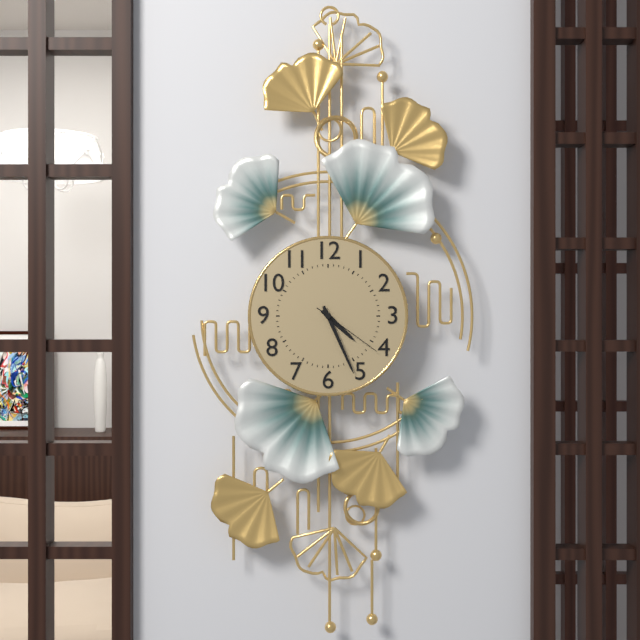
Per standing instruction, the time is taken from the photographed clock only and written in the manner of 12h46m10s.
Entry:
4h26m21s
